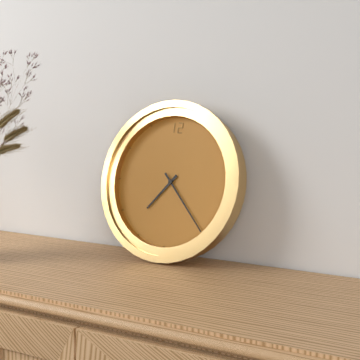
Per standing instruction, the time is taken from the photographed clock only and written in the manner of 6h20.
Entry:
7h23
